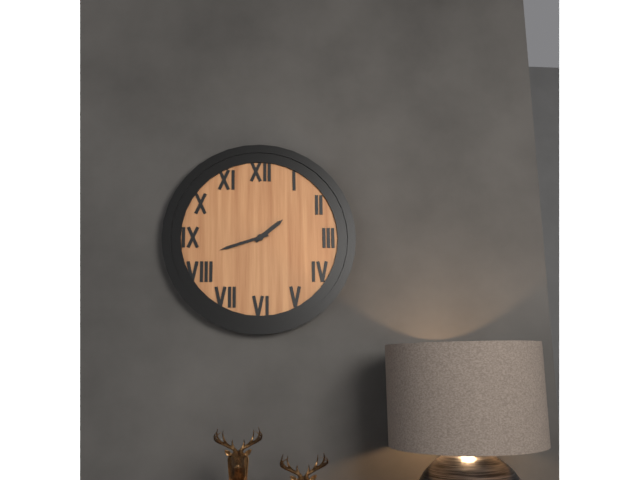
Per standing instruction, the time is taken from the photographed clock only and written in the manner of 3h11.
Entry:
1h42
